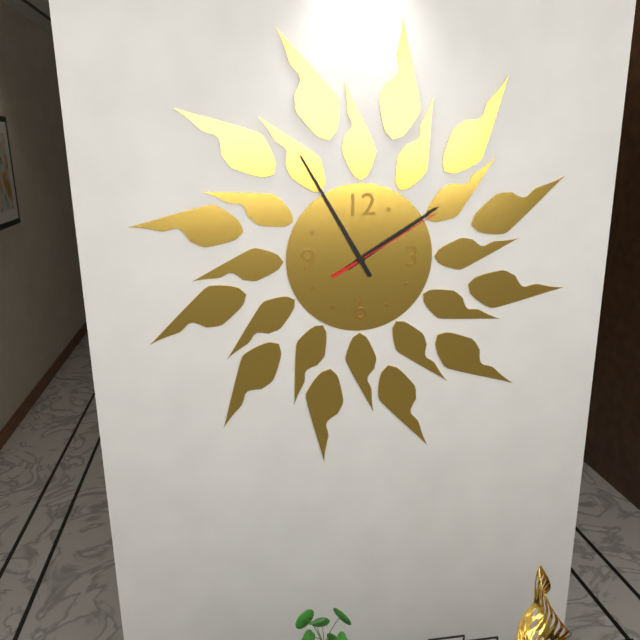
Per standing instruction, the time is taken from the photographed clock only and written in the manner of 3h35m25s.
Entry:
1h55m10s
